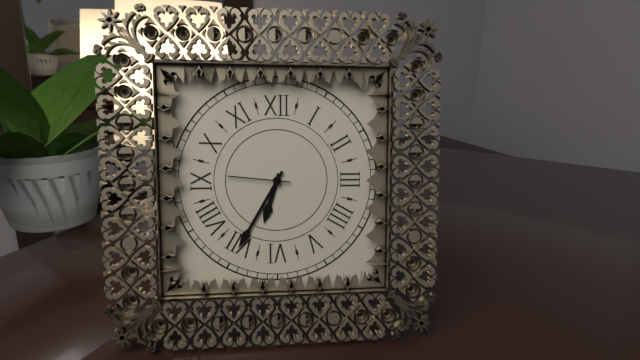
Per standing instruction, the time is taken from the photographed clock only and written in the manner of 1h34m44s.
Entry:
6h35m46s
